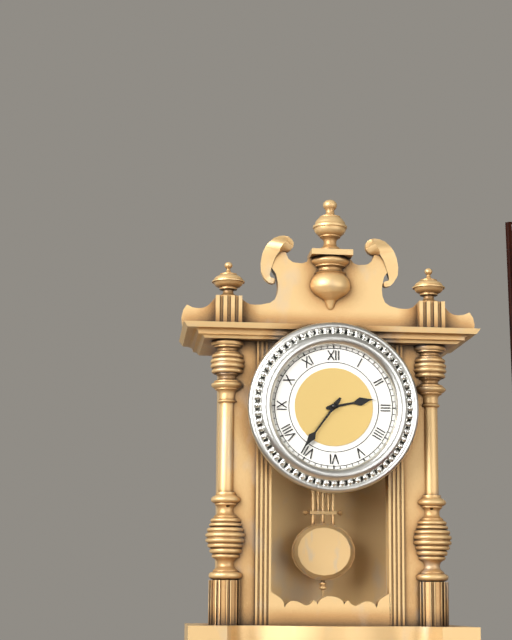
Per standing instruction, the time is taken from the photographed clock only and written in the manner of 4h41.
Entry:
2h36
